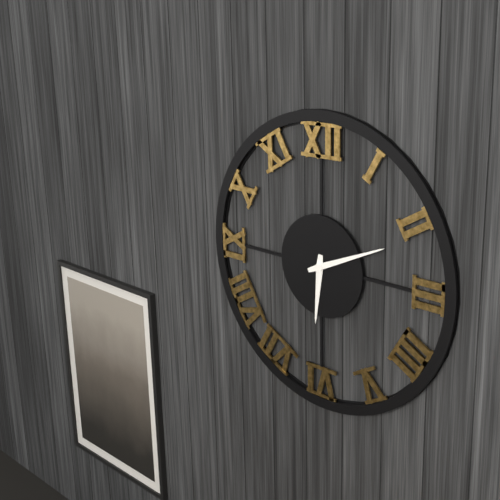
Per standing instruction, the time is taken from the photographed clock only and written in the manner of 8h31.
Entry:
6h11
